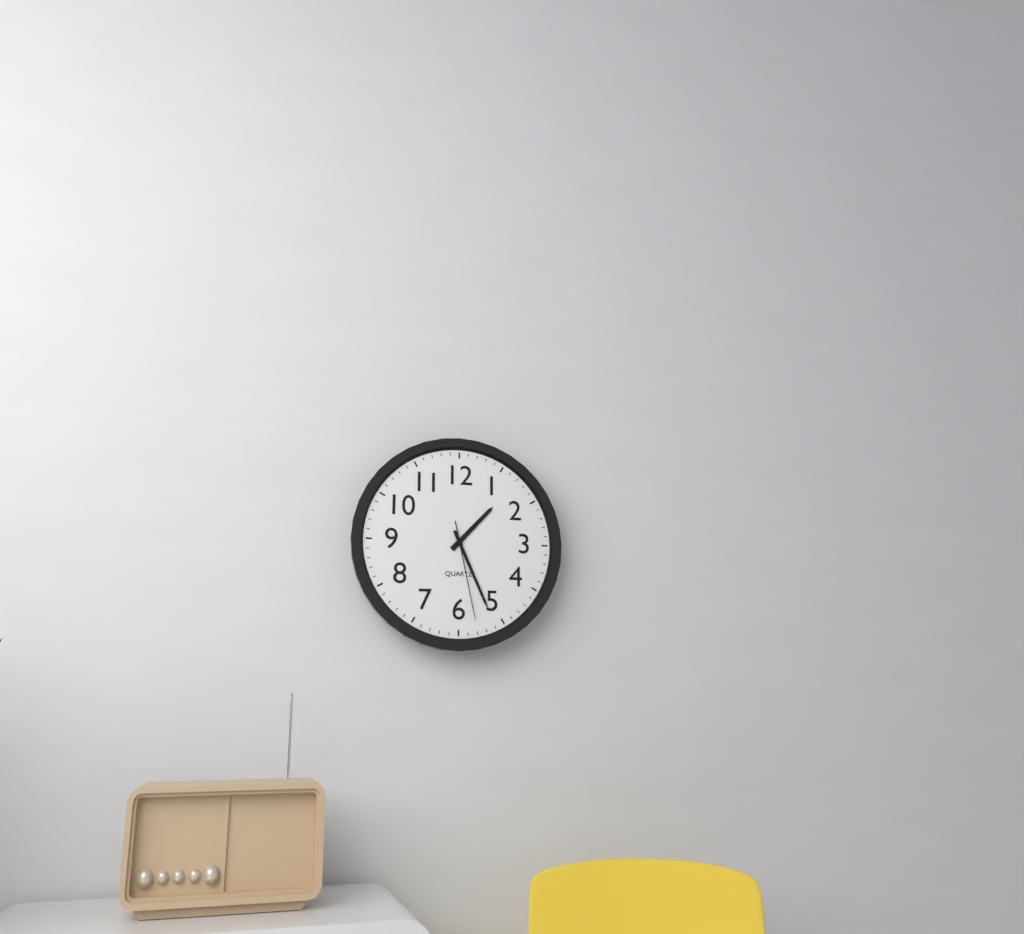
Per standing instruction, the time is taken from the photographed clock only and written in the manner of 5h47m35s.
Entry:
1h26m28s
